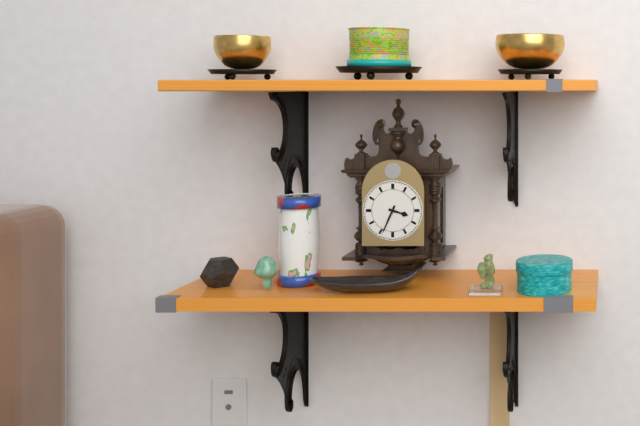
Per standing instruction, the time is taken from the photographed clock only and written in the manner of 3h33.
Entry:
3h34
